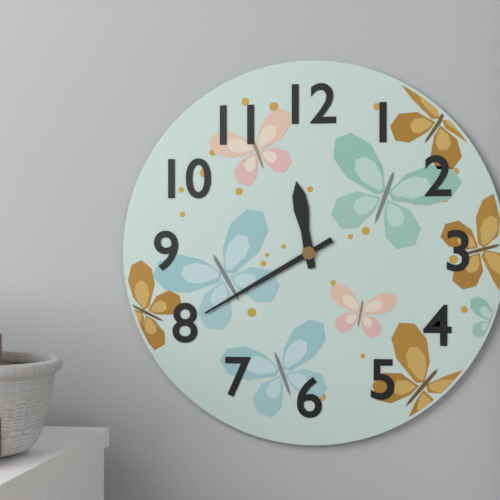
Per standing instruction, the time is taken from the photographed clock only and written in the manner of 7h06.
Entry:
11h40
